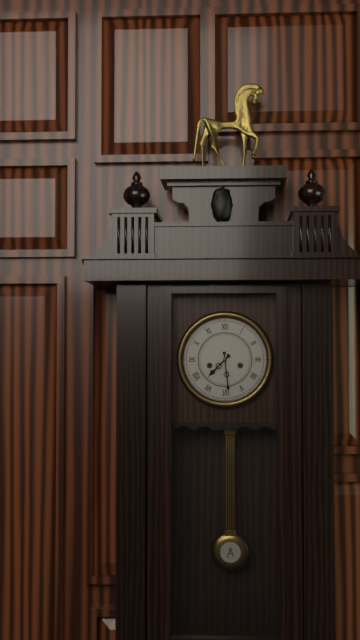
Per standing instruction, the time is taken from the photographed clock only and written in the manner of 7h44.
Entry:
7h29
